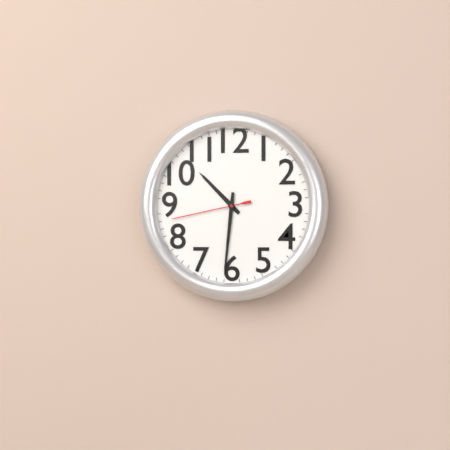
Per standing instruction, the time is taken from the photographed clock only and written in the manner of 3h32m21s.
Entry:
10h31m43s
